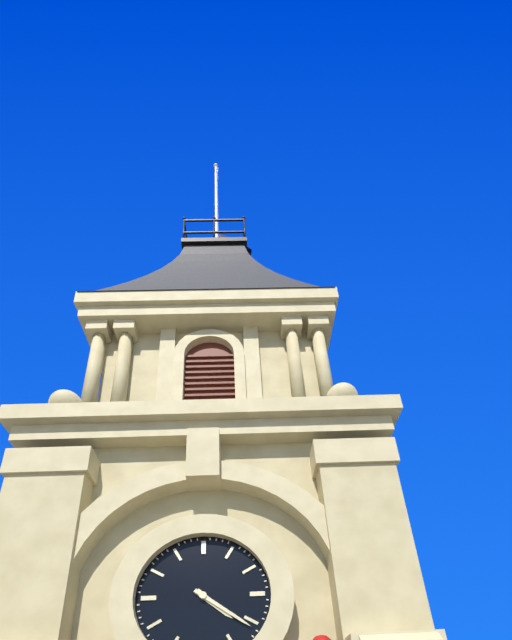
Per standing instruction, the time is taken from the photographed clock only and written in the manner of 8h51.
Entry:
4h21
